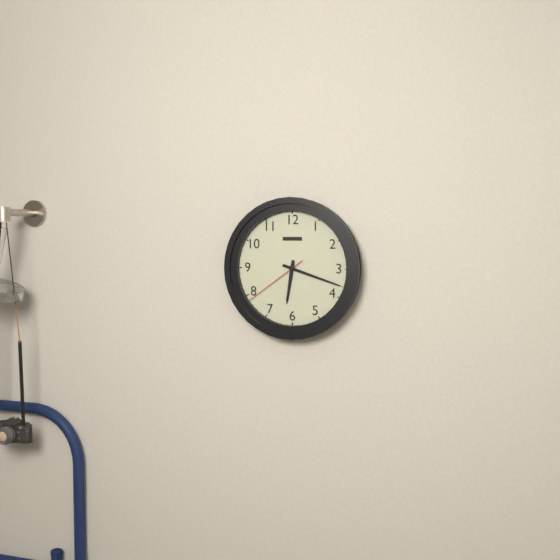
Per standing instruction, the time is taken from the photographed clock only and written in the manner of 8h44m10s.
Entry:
6h18m39s
